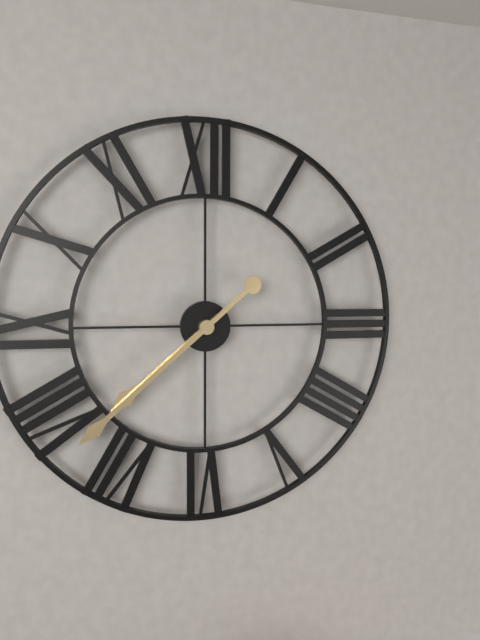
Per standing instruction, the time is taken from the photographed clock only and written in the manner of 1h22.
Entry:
7h38
